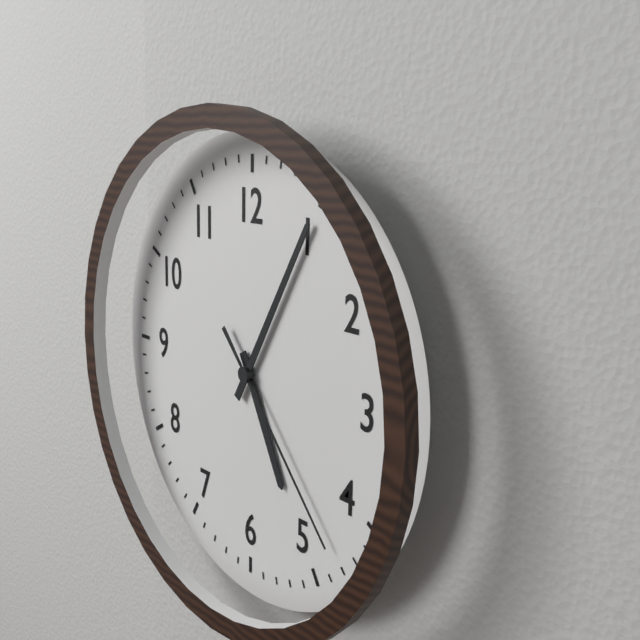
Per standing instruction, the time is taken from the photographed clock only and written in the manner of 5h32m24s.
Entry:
5h05m23s
